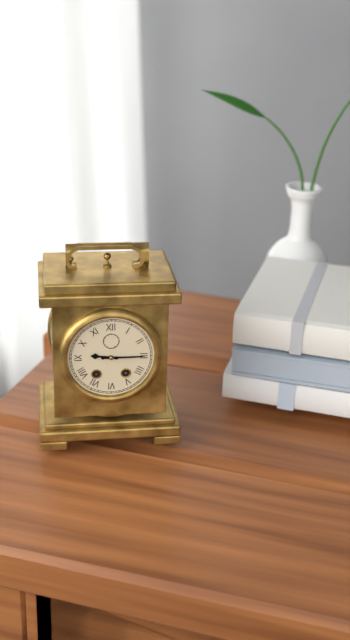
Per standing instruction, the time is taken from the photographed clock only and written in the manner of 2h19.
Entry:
9h15
